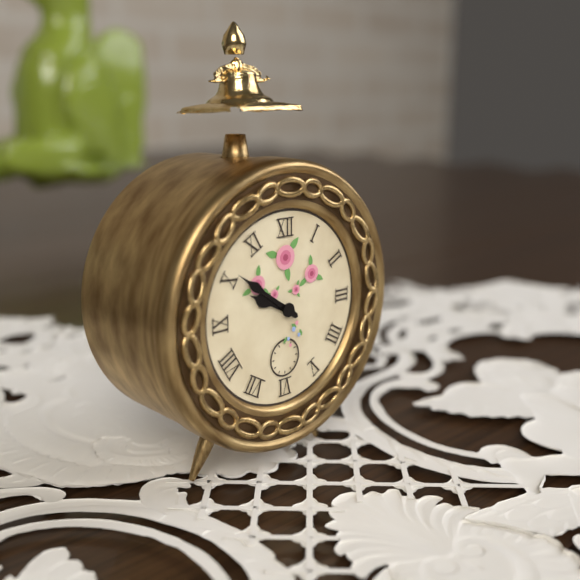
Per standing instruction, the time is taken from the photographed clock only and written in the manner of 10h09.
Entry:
9h51
